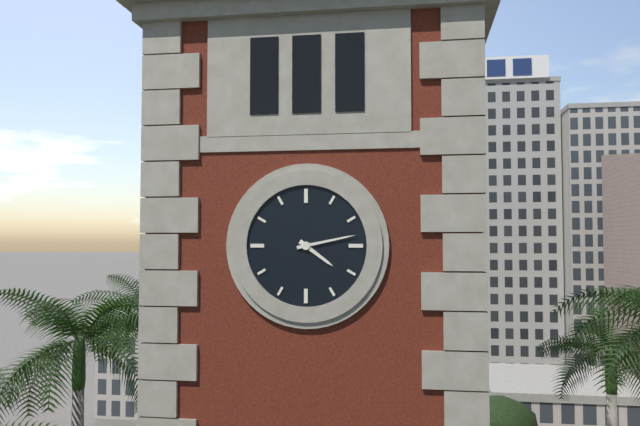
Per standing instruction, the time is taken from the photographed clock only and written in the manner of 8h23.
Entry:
4h13
